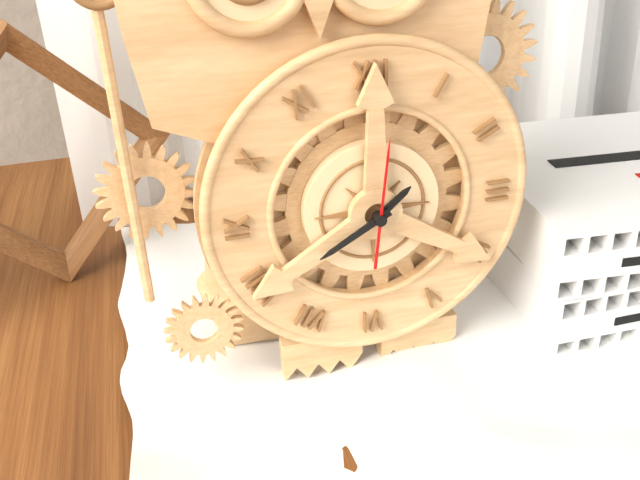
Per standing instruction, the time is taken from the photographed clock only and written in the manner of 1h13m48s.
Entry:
1h40m01s
